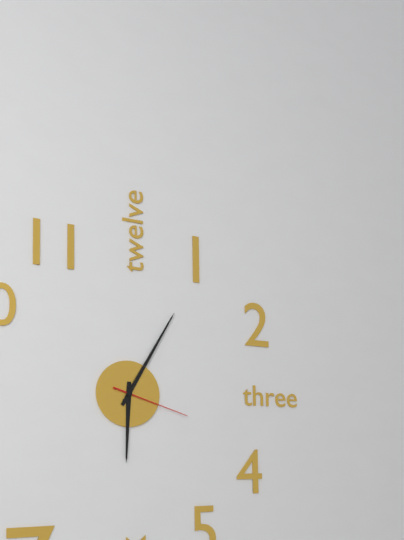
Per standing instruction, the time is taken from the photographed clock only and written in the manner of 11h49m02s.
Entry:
6h05m18s
